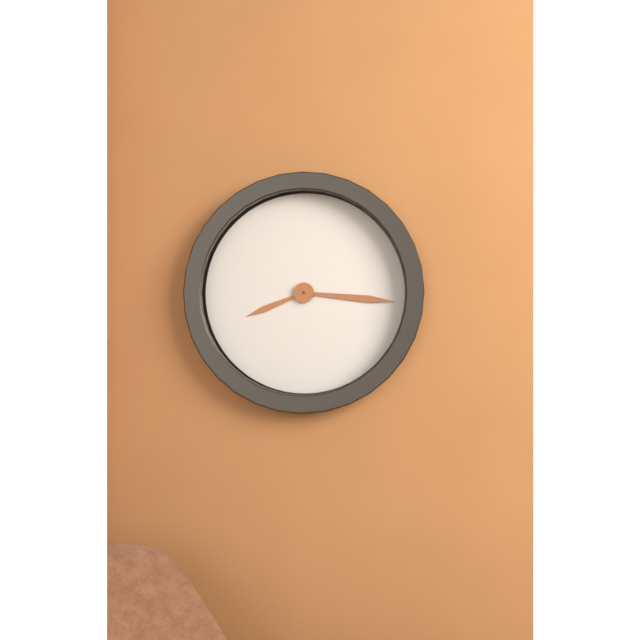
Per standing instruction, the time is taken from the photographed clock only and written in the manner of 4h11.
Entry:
8h16
